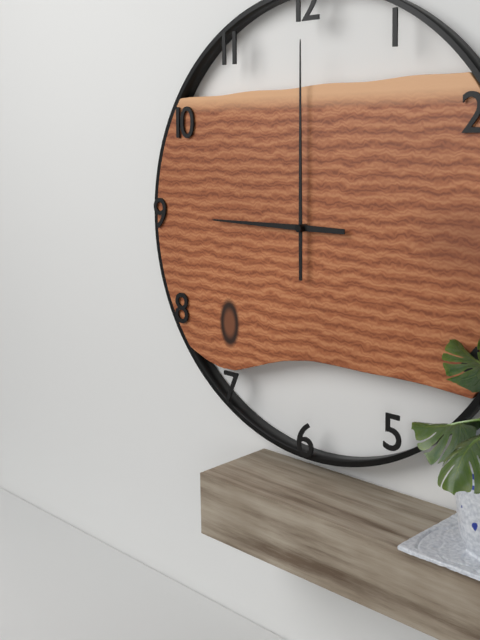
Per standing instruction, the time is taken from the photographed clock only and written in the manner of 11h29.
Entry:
9h00
